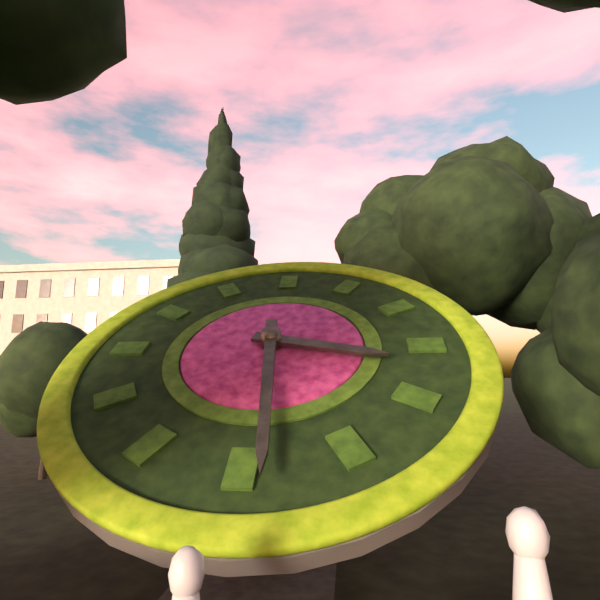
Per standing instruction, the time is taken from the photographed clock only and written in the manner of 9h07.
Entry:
3h29
